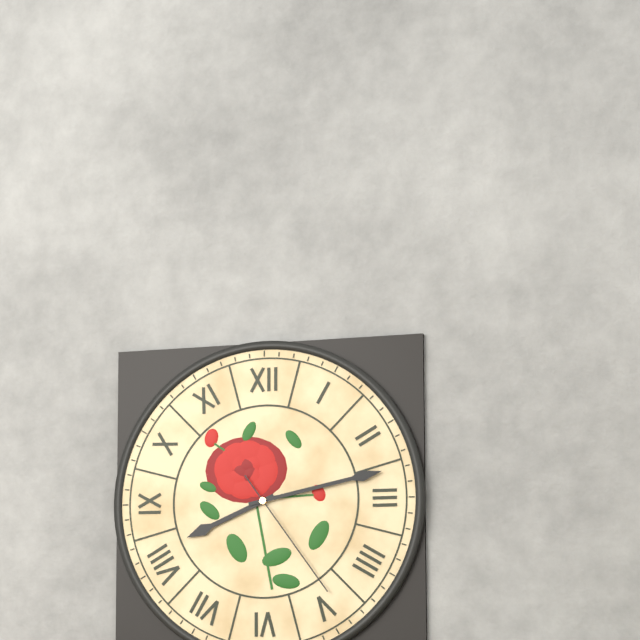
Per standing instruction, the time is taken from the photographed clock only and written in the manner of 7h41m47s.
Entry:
8h13m24s
